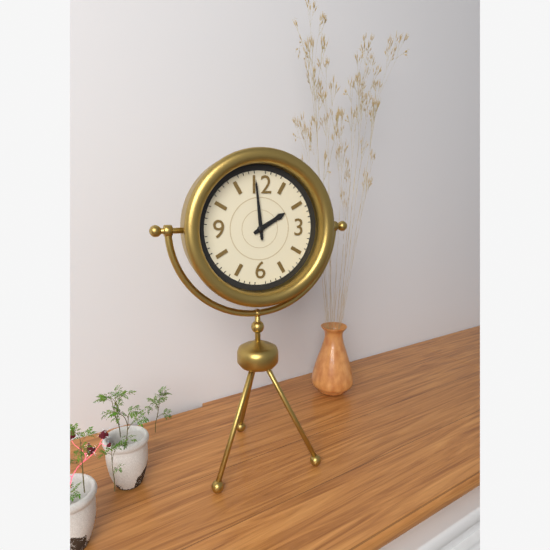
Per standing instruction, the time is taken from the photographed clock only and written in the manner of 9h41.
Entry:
1h59
